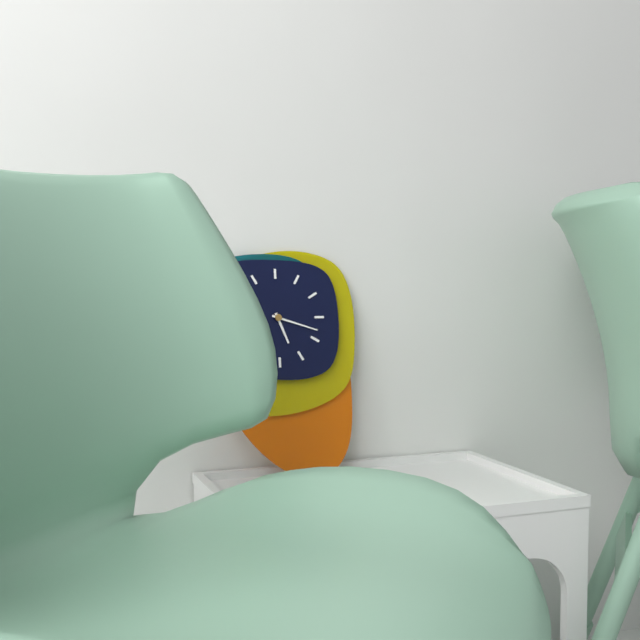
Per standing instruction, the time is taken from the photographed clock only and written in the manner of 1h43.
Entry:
5h18
